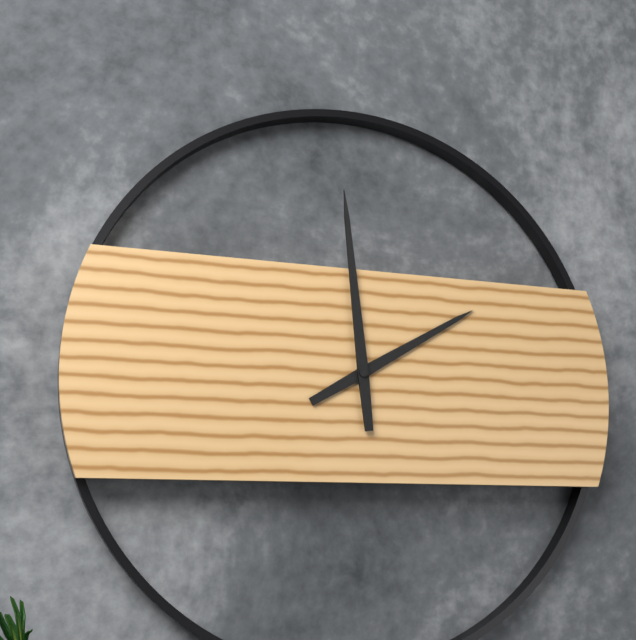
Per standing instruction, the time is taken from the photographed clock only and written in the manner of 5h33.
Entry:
1h59
